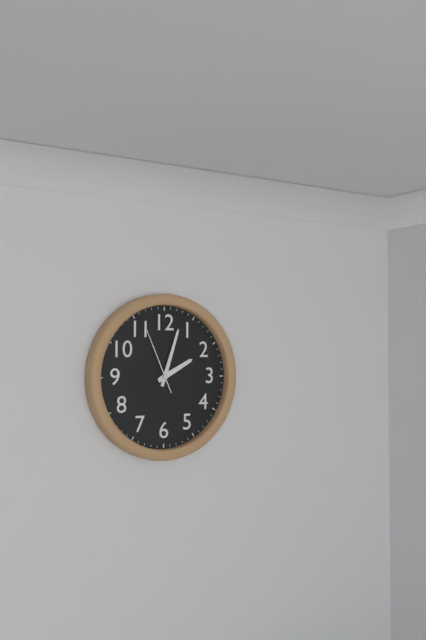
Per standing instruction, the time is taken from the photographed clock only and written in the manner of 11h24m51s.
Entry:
2h03m56s
